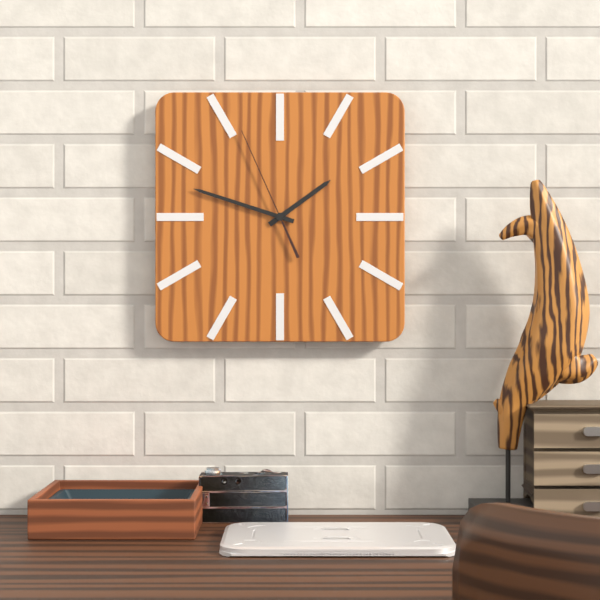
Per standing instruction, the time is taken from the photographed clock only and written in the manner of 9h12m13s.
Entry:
1h48m56s
